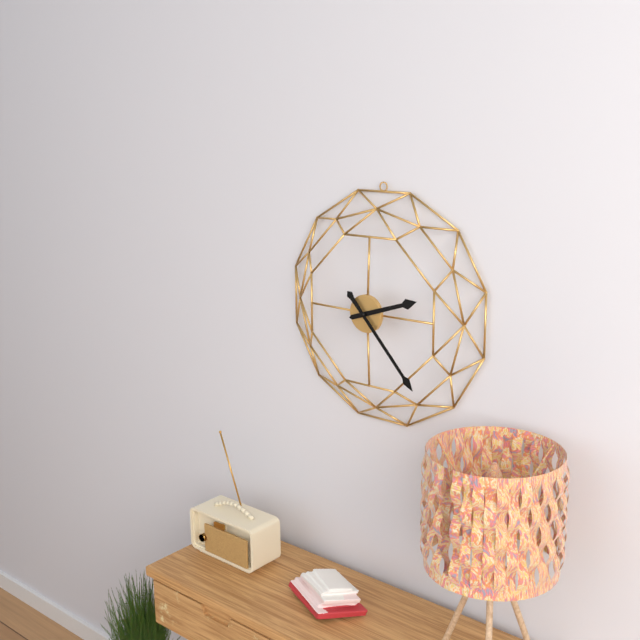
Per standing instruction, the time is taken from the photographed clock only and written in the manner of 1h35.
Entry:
2h23
